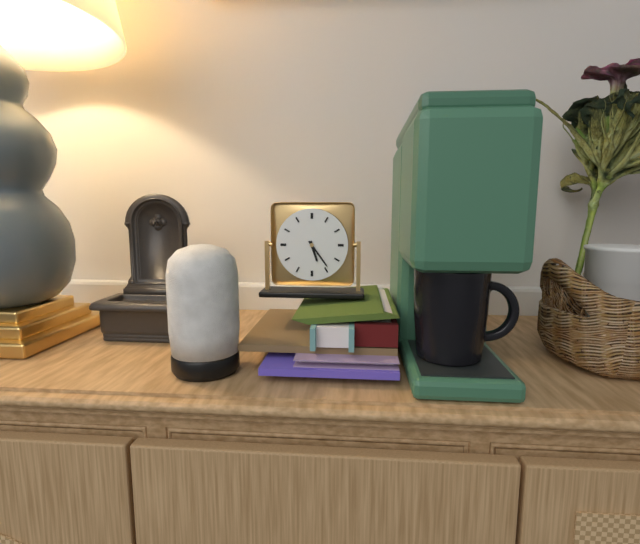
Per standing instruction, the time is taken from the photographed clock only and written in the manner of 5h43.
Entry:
5h24
